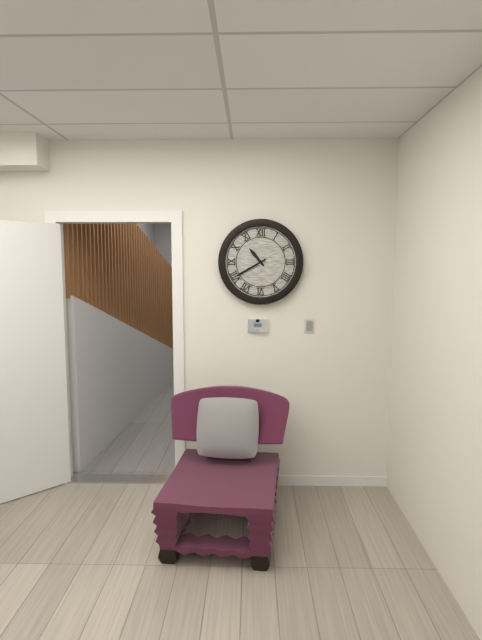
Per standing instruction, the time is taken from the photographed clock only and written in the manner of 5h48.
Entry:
10h40
